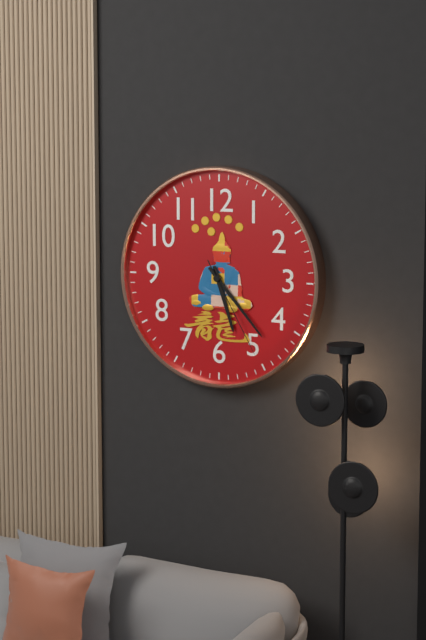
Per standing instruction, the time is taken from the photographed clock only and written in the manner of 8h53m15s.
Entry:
5h23m25s
